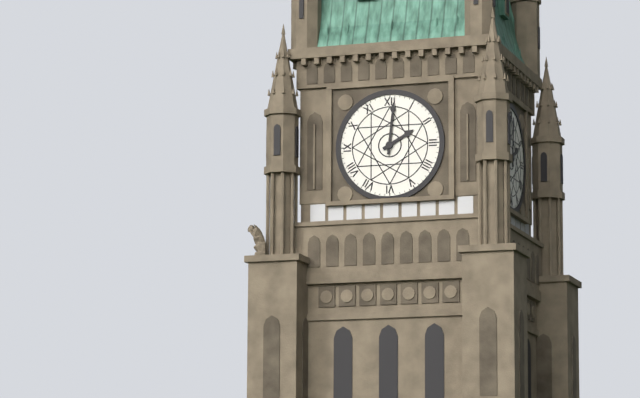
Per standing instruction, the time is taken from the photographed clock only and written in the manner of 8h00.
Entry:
2h01
